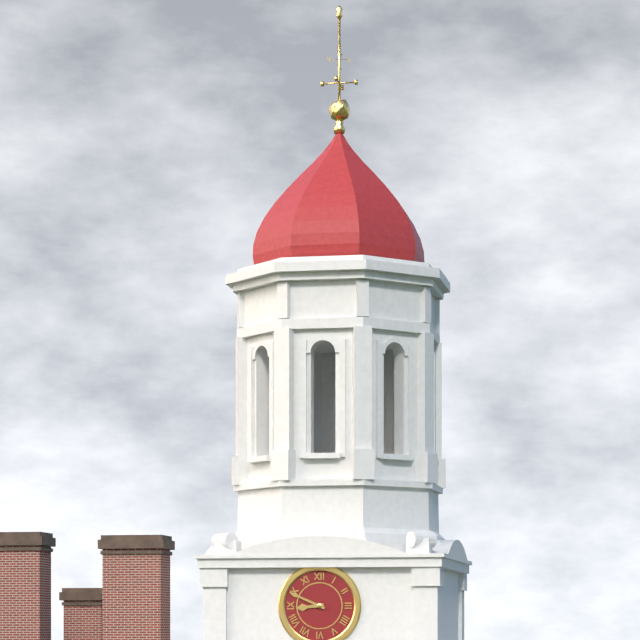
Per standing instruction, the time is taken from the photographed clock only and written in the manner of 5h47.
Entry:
8h49
